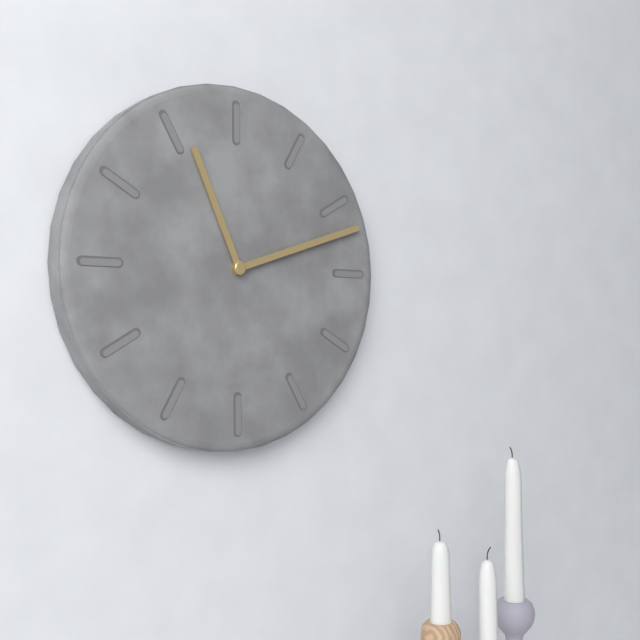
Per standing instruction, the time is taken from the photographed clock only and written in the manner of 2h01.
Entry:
11h12
